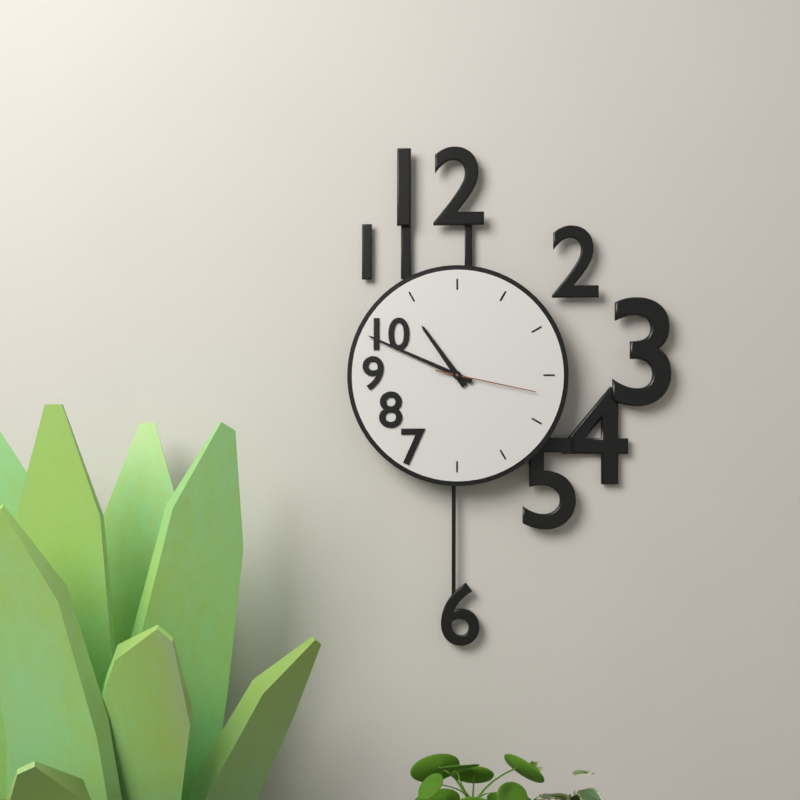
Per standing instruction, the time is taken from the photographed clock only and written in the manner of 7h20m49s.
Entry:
10h49m17s
